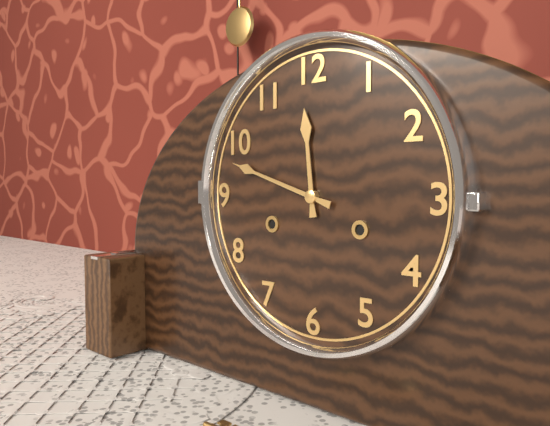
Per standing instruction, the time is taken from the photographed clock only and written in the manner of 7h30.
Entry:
11h48
